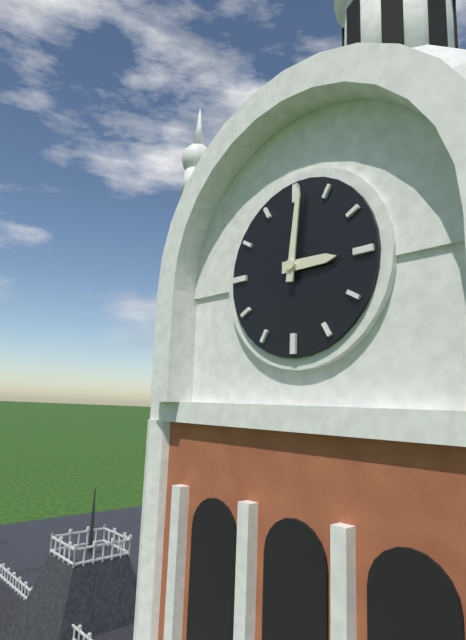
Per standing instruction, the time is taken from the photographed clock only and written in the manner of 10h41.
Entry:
3h01
